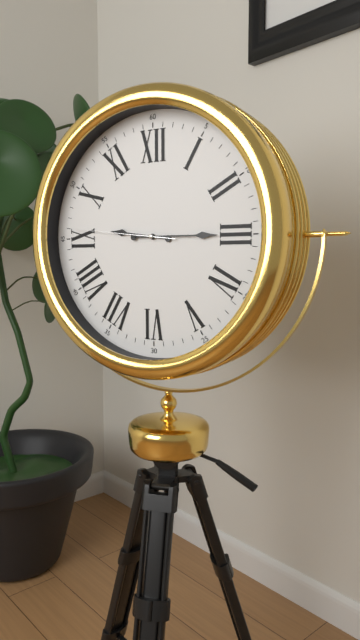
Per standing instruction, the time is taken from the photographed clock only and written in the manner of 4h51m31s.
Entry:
9h15m46s
